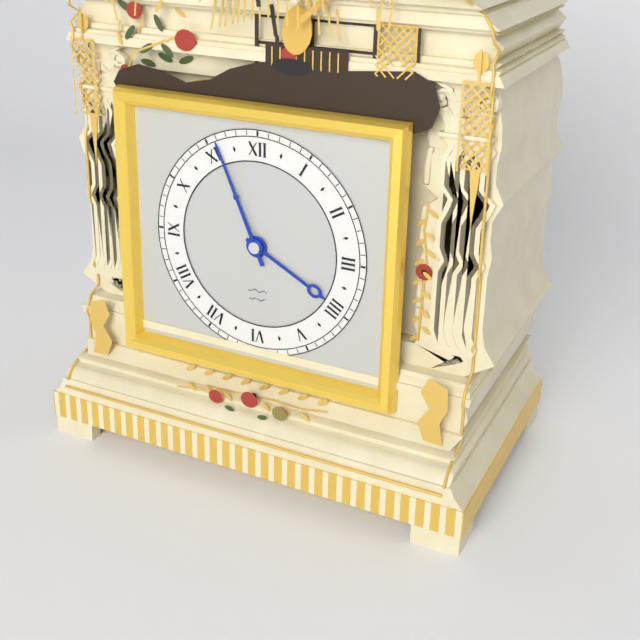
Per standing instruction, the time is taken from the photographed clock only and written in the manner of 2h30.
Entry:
3h56
